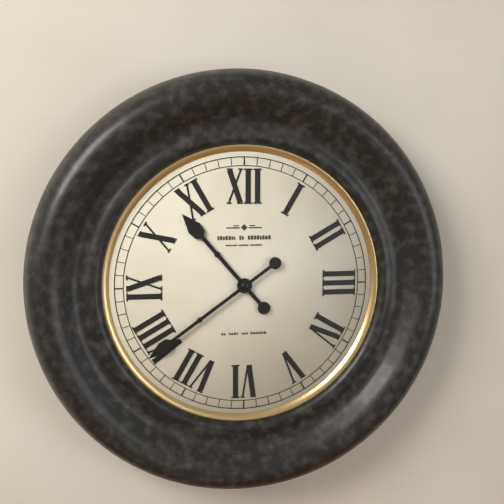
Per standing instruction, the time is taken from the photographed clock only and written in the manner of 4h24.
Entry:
10h39
